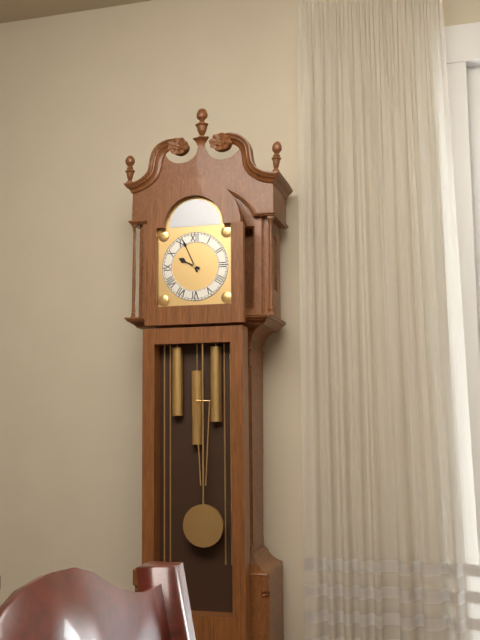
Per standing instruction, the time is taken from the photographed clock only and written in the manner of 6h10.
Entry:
9h56
